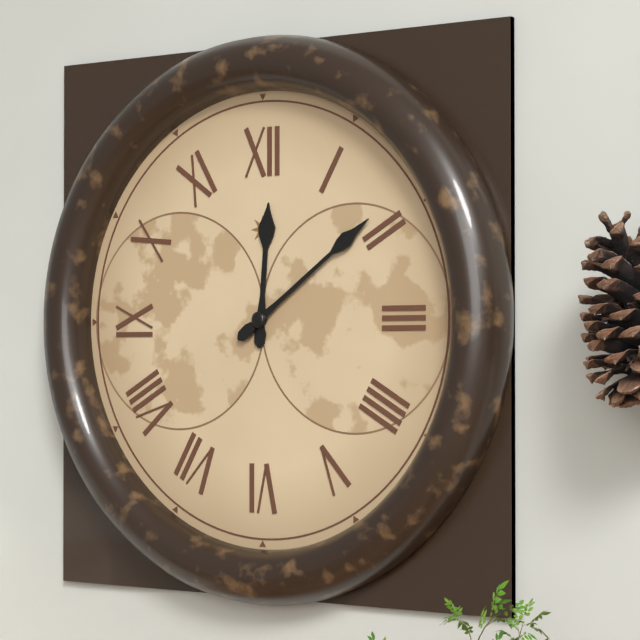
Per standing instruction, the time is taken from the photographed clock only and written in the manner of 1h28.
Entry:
12h09
